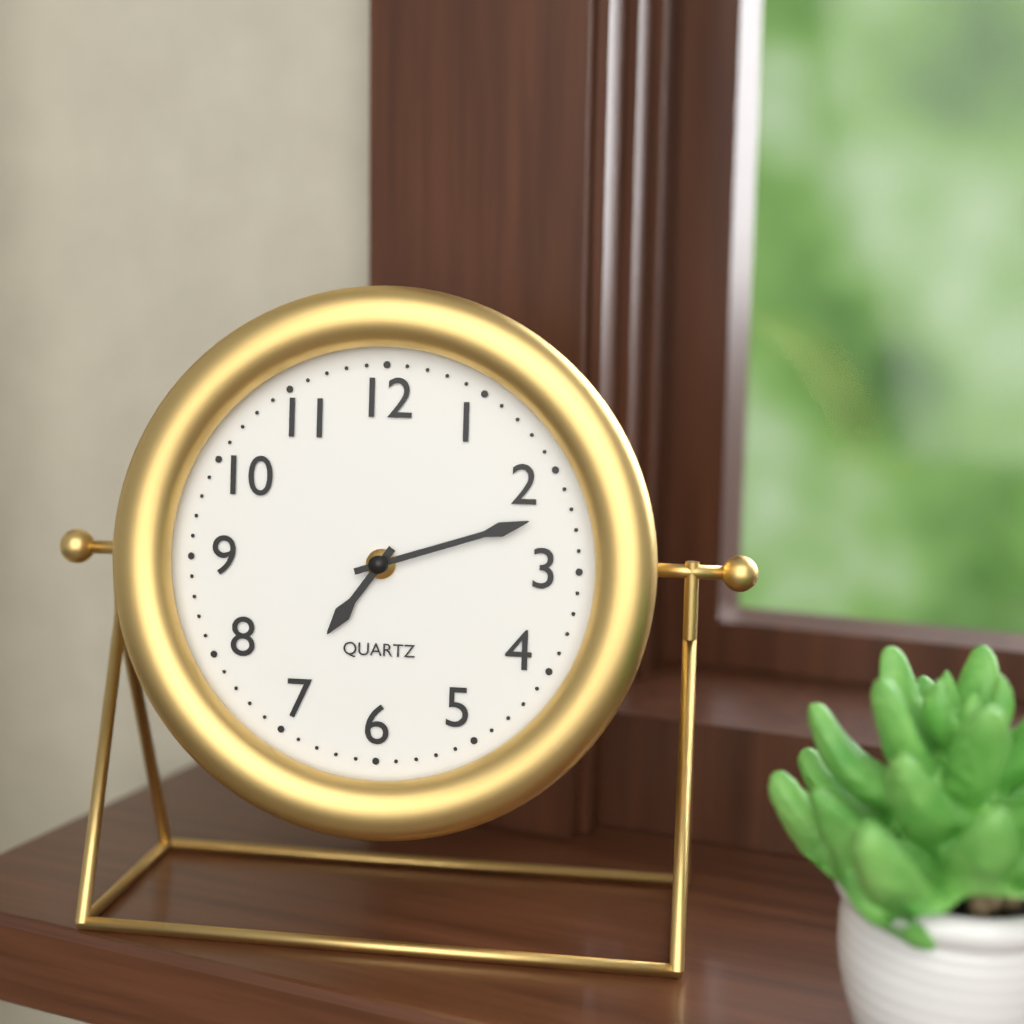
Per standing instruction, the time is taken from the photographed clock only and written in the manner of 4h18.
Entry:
7h12
